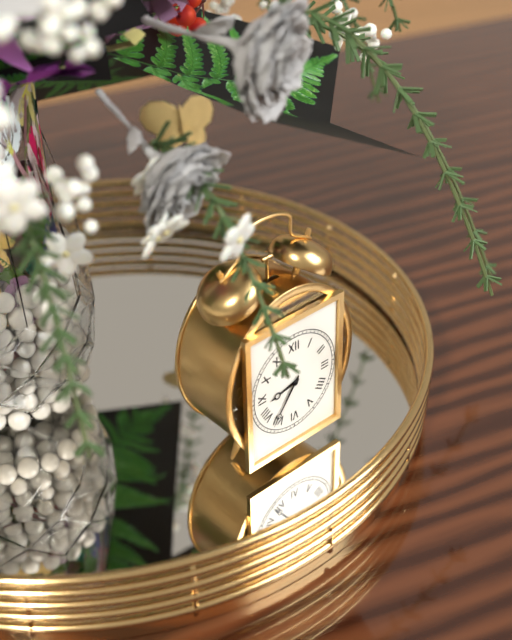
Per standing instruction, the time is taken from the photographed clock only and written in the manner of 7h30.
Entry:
8h36
